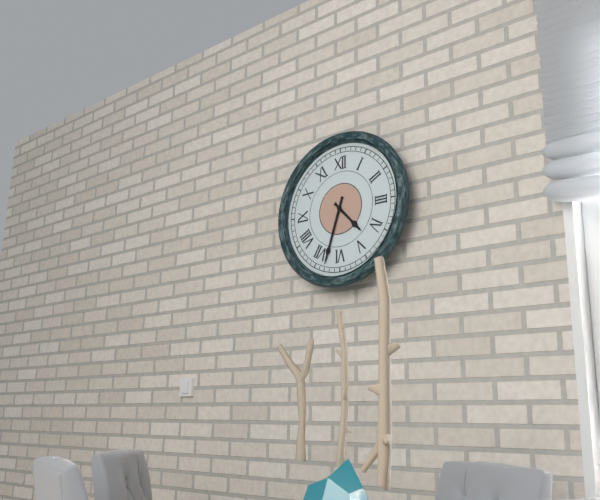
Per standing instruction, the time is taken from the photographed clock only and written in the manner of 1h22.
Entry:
4h33
